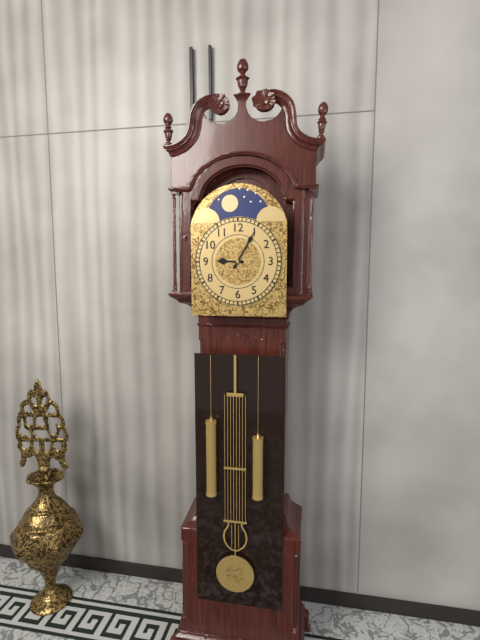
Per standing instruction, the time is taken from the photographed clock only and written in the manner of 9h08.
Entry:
9h05
